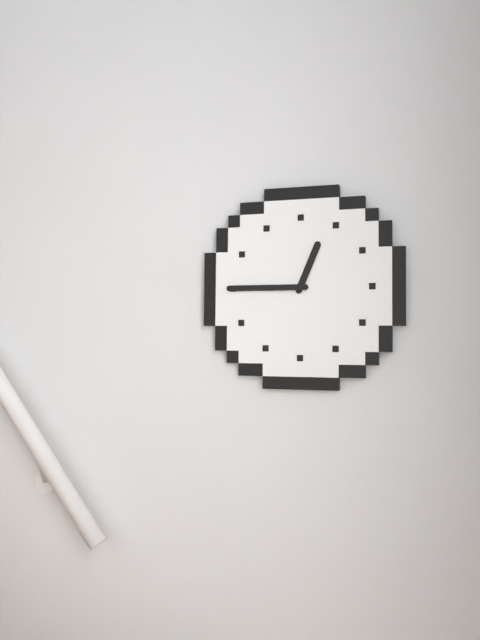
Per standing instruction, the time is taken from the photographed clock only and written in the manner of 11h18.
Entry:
12h45
